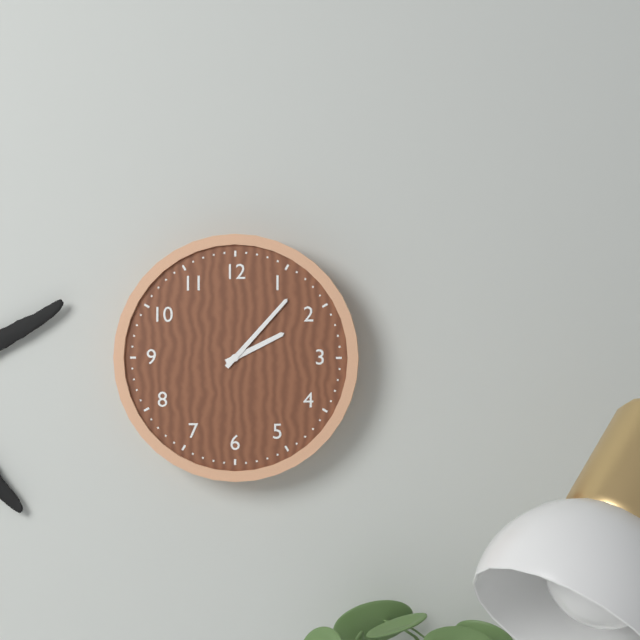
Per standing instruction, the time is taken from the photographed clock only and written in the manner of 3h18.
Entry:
2h07
